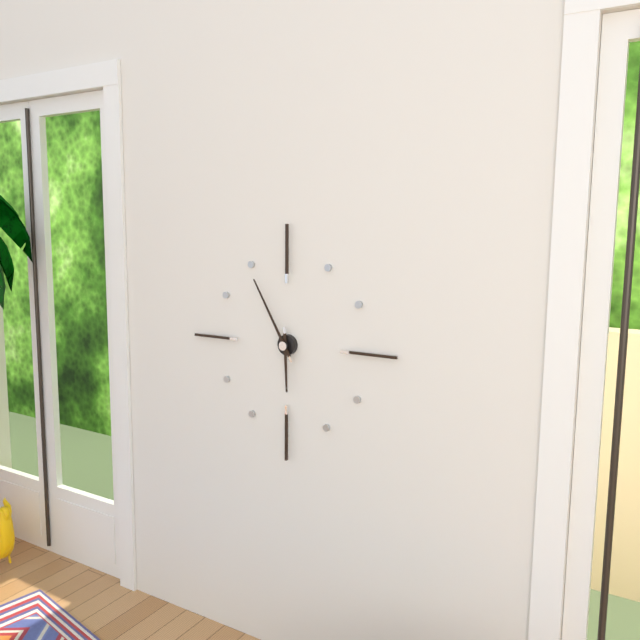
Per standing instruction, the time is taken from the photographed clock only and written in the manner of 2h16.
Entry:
5h55
